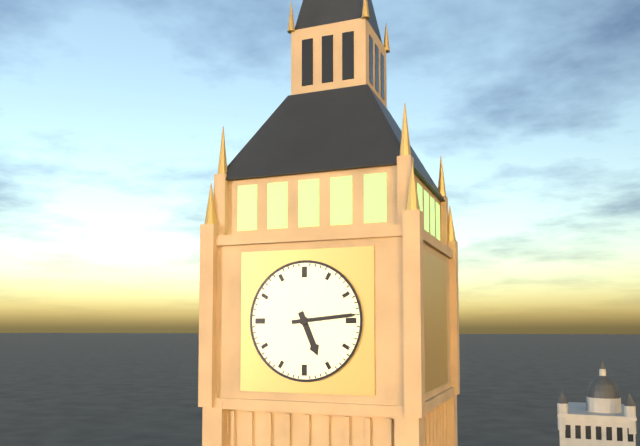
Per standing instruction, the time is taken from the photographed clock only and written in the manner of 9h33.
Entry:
5h14
